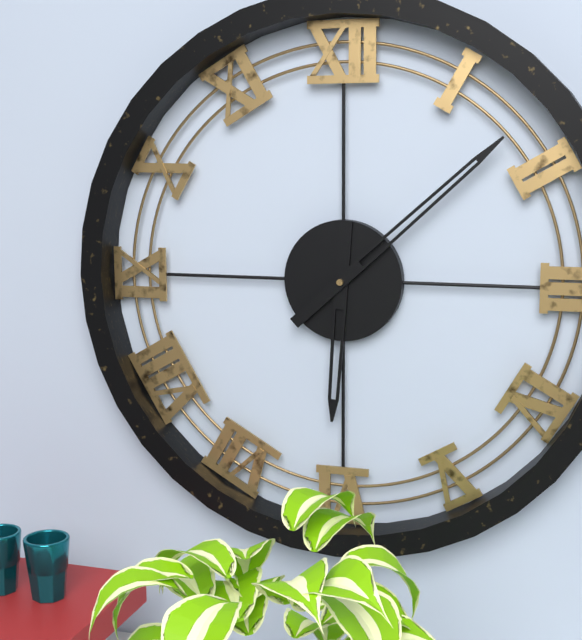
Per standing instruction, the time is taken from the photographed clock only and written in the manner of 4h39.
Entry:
6h08
